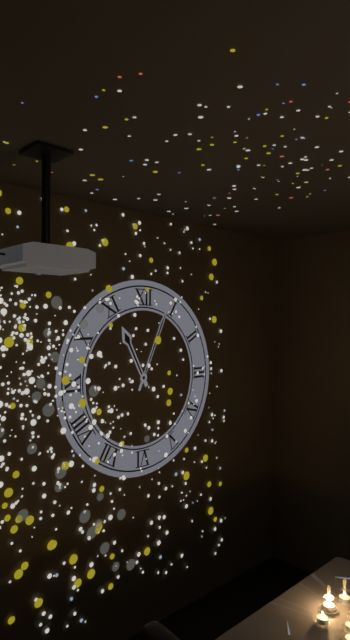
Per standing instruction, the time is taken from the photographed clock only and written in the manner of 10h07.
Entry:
11h04
